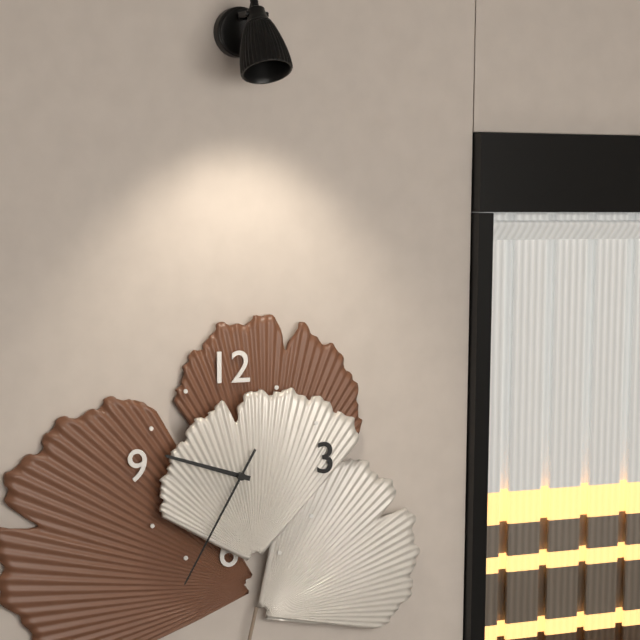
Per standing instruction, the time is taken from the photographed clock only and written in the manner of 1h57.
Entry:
9h35
